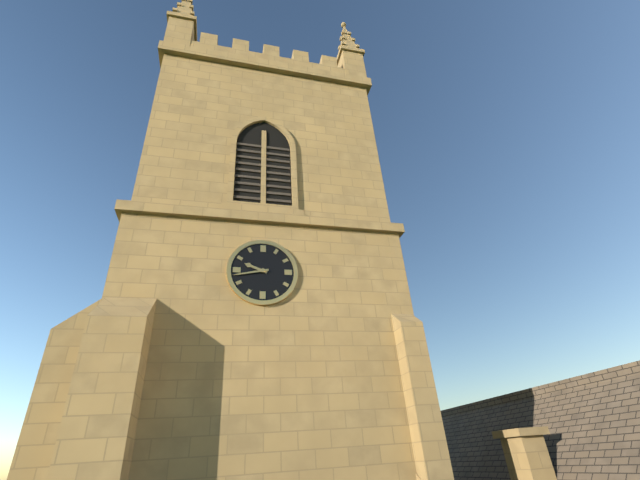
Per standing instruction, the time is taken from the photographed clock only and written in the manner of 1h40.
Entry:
9h43
